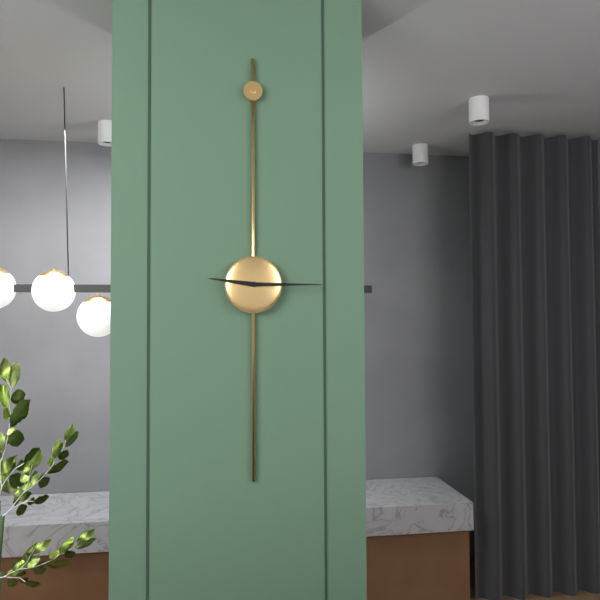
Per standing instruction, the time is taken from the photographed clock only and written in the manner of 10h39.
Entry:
9h15
